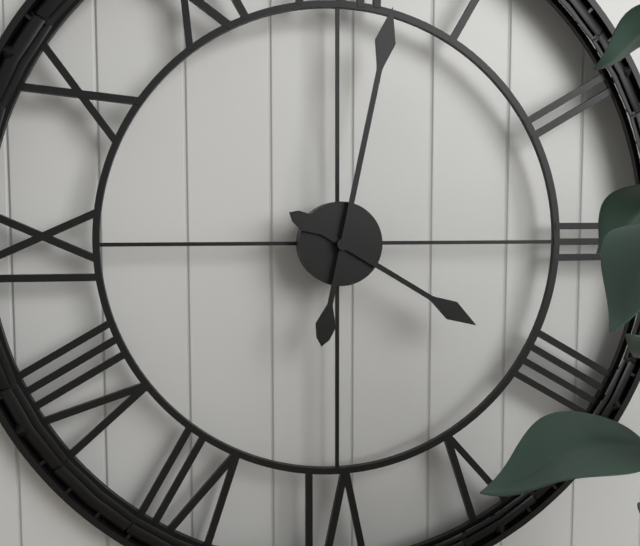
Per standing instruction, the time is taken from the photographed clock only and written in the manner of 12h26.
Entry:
4h02
